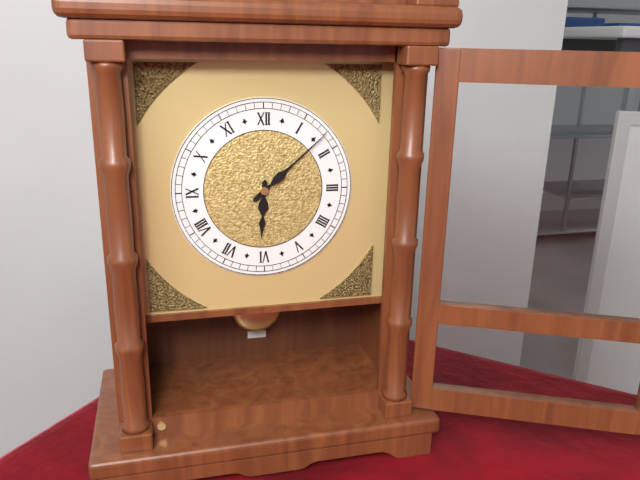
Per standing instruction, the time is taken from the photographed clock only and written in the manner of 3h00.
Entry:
6h08
